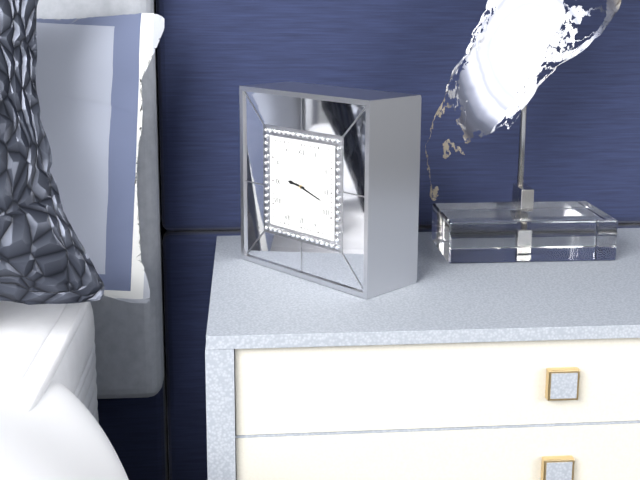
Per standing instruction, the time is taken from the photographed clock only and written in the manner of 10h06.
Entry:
9h18
